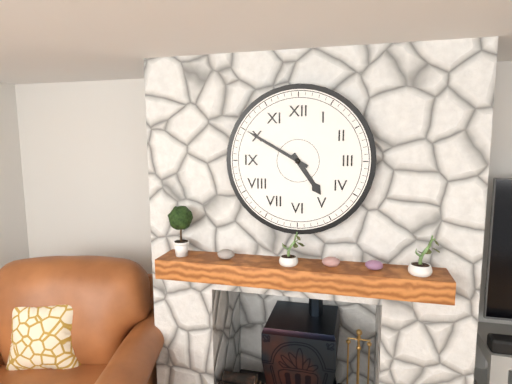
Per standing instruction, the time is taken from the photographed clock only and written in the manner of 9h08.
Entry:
4h50
